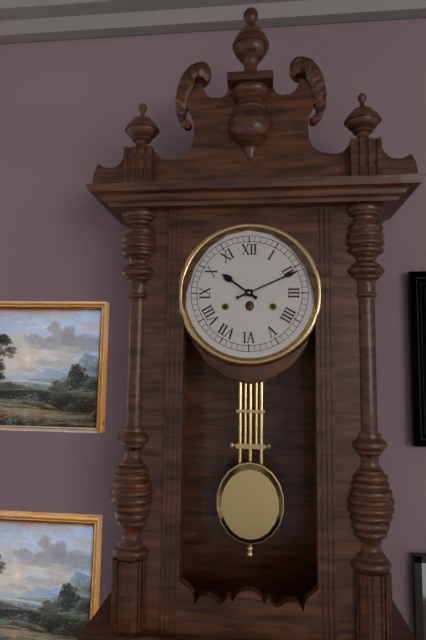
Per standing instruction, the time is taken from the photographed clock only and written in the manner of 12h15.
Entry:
10h11
